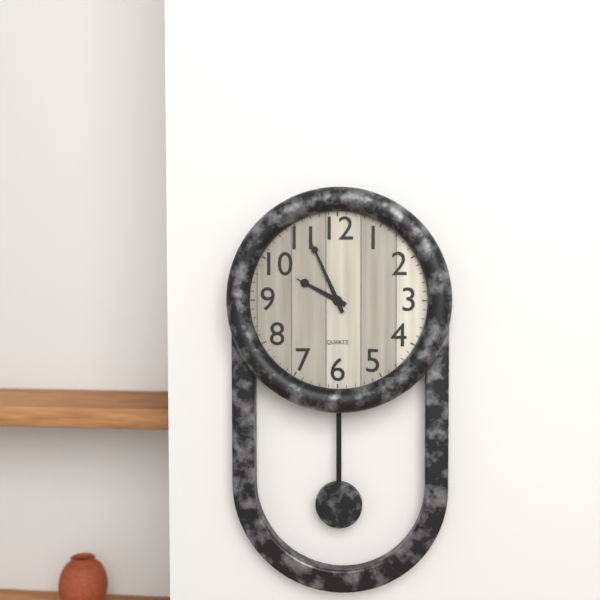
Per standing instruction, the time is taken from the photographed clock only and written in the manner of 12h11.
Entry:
9h56
